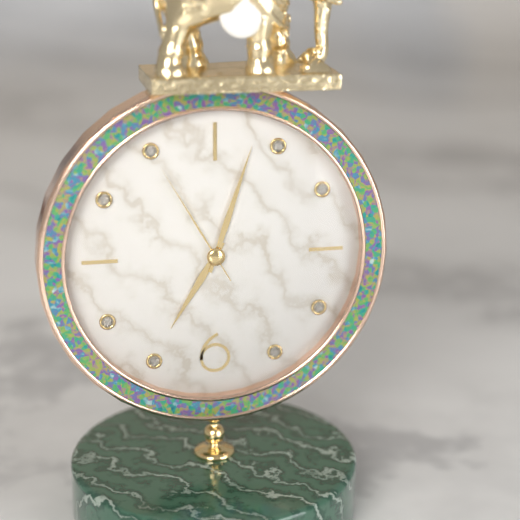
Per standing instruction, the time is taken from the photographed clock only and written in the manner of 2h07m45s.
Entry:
7h03m55s
